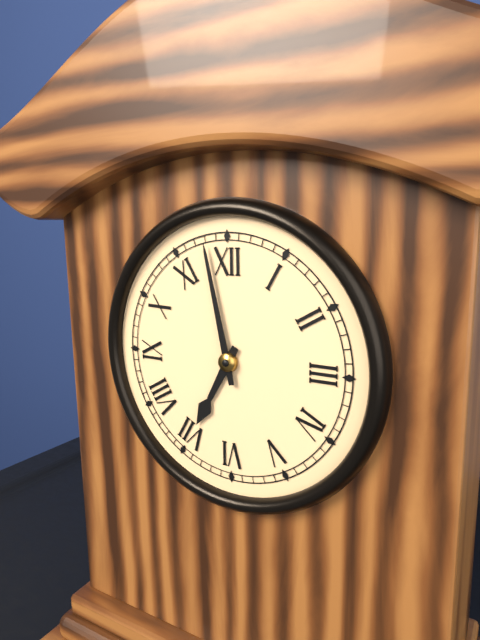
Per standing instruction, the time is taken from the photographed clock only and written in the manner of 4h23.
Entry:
6h58
